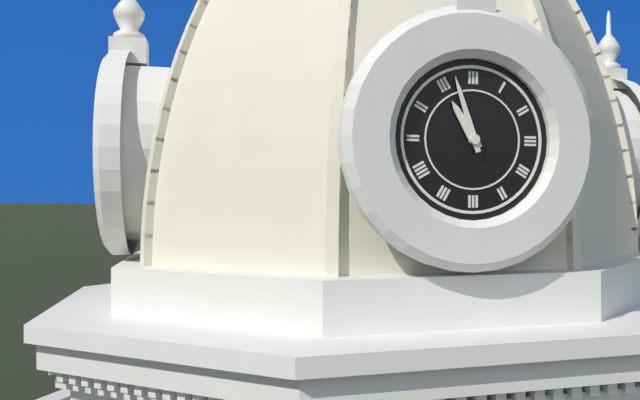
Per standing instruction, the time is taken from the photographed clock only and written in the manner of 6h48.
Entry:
10h57
